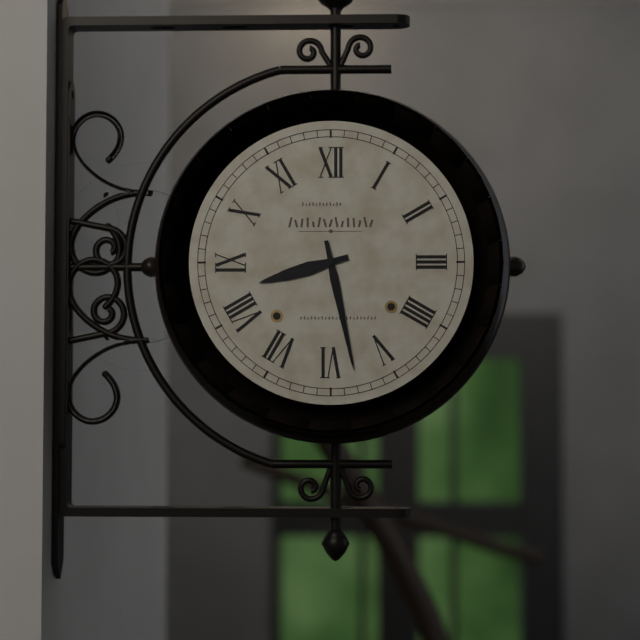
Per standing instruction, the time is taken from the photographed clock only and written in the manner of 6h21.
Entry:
8h28
